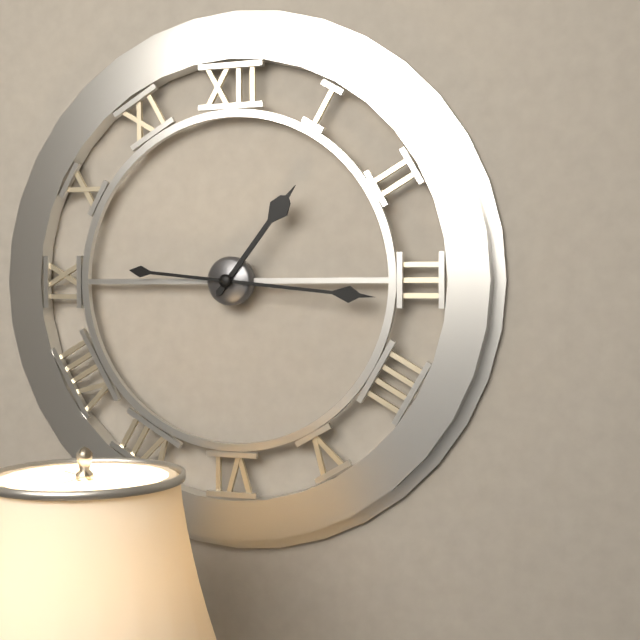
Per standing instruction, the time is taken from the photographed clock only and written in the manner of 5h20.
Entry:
1h16
